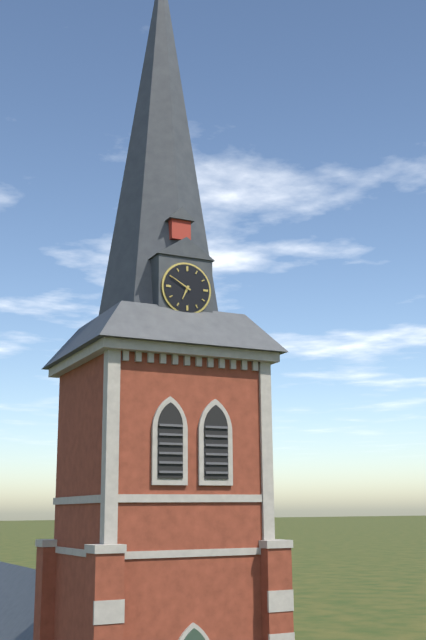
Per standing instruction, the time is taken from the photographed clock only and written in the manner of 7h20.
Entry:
6h50
